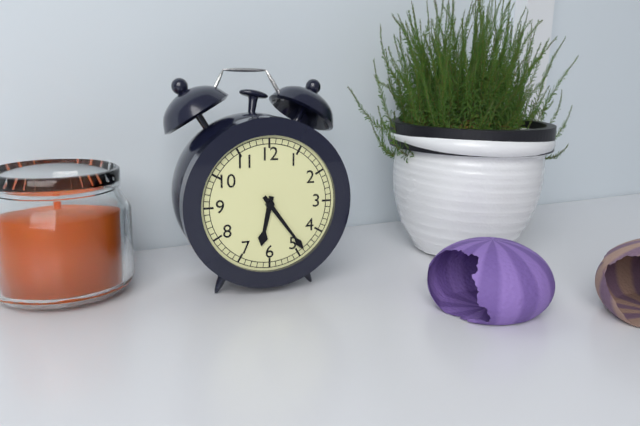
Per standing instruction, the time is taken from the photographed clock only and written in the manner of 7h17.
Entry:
6h24
